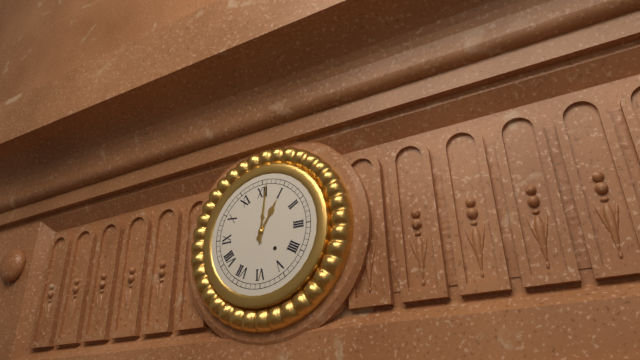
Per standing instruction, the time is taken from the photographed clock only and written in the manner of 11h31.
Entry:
1h01
